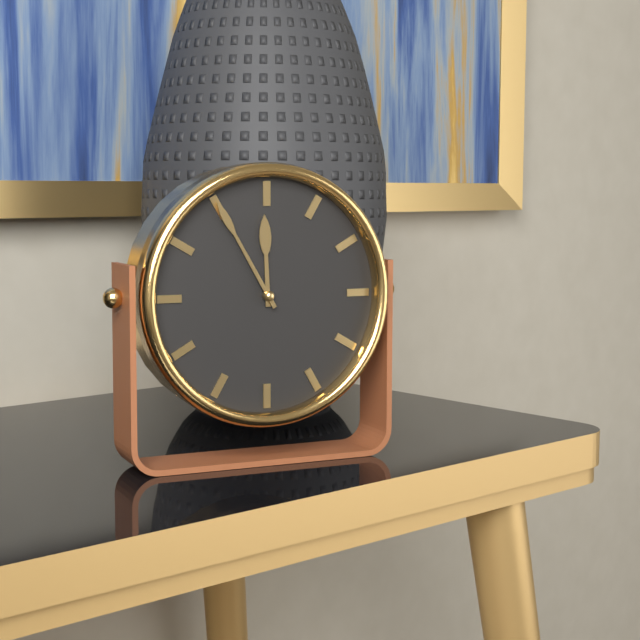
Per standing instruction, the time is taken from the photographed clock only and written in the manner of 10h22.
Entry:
11h55
